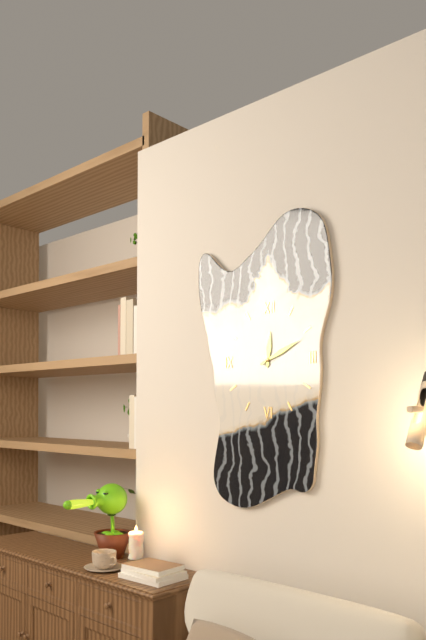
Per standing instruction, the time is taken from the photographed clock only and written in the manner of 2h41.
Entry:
12h11
